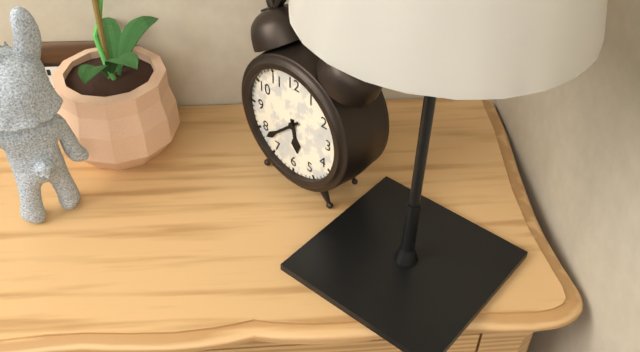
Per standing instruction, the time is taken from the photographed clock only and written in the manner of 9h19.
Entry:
5h38
